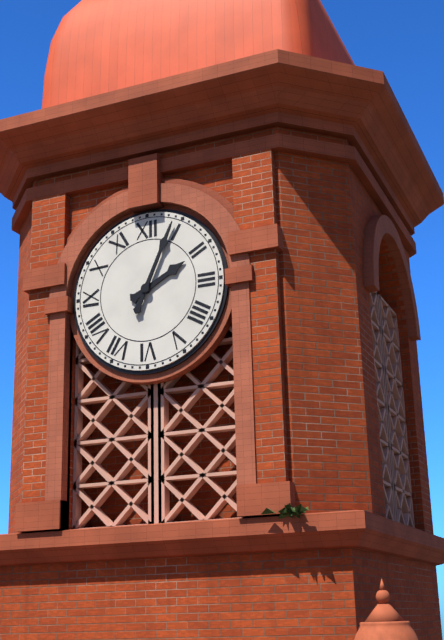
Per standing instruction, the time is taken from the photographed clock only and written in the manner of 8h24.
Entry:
2h04
